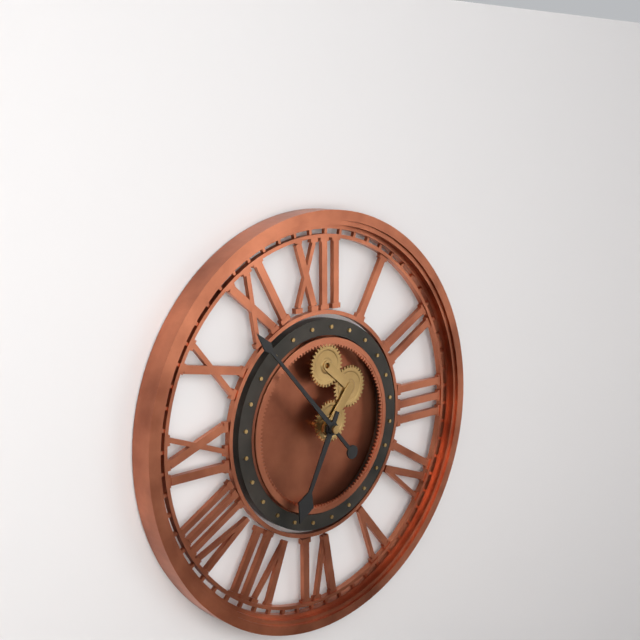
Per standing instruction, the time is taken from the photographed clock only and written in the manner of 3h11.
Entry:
6h53
